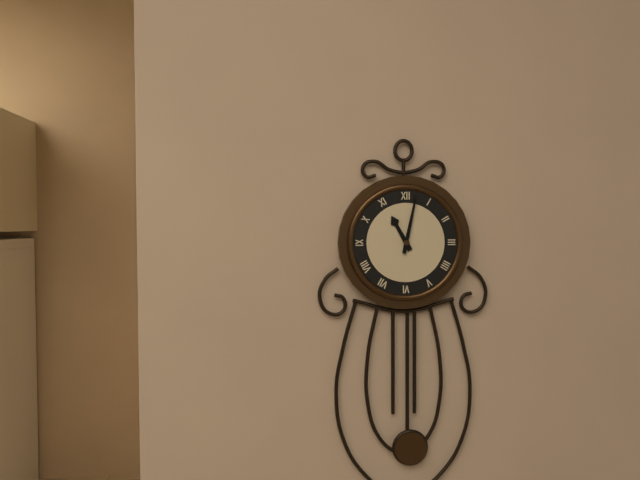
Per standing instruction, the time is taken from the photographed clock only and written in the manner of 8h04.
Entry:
11h02
